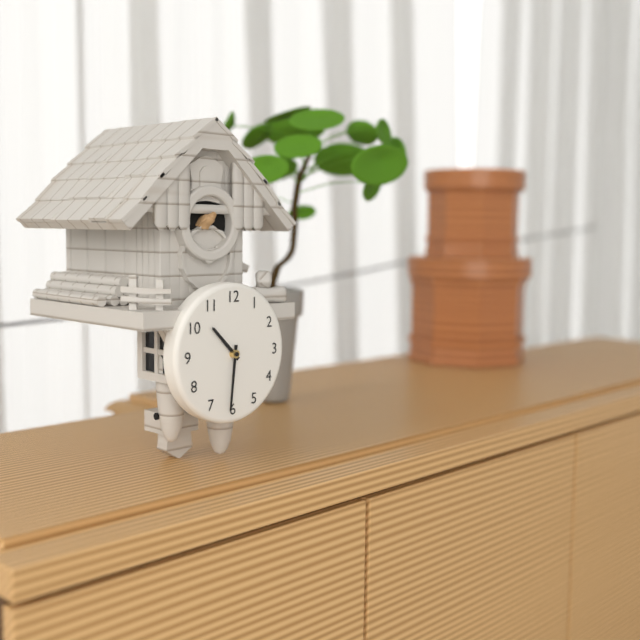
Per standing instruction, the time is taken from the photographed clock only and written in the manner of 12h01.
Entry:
10h31
